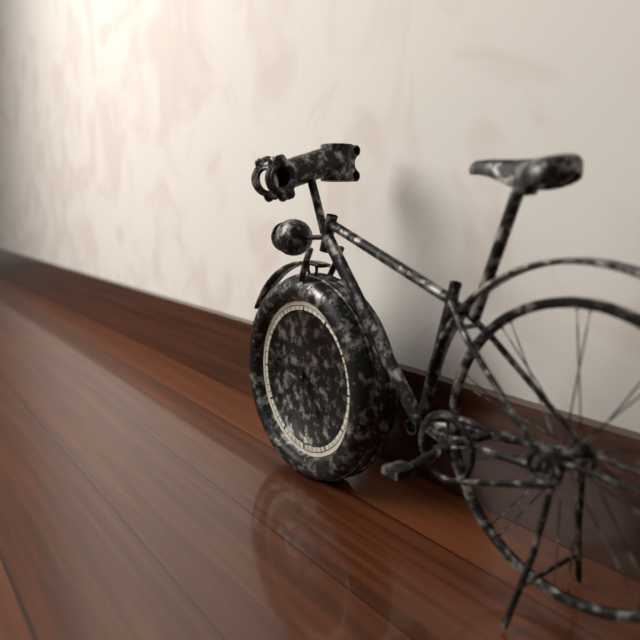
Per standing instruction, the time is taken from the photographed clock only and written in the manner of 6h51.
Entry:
4h47
